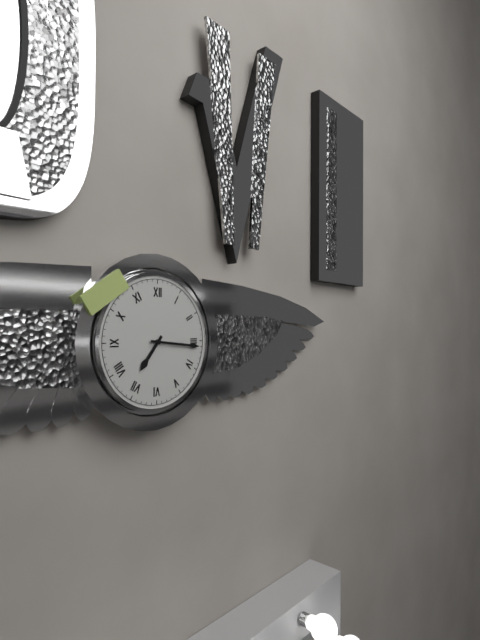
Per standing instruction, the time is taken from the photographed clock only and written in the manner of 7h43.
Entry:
7h16
